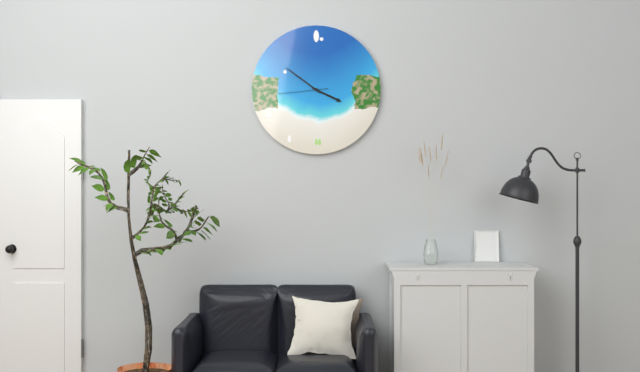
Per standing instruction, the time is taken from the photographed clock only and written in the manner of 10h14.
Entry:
3h51
